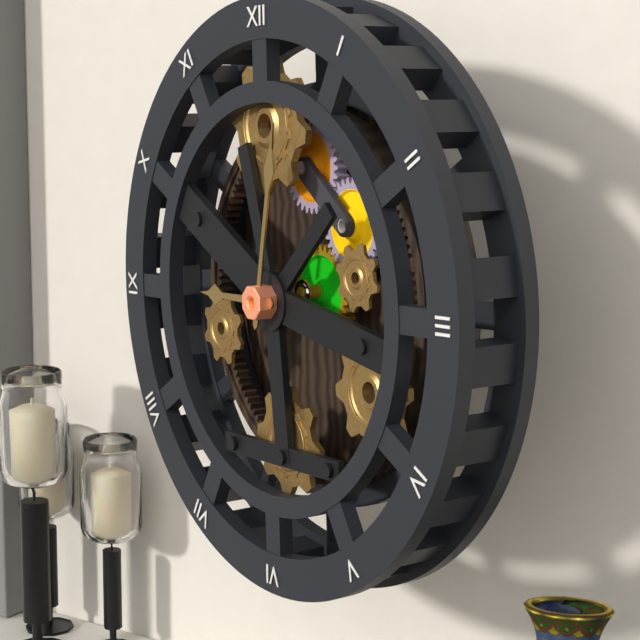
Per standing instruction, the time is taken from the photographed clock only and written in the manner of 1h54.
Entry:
9h02
